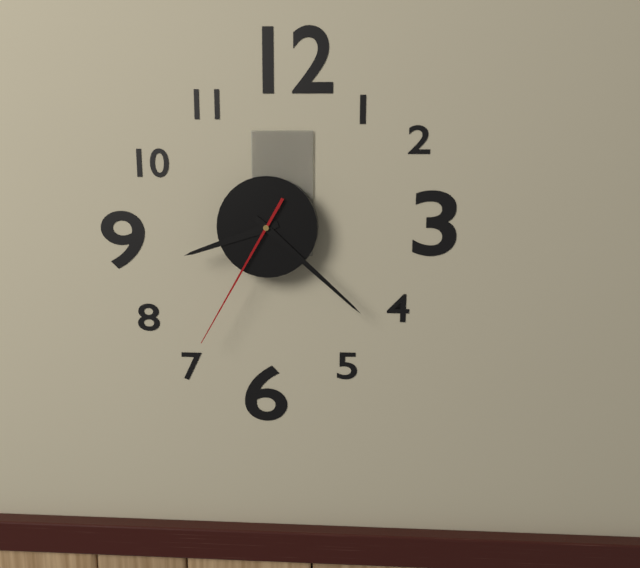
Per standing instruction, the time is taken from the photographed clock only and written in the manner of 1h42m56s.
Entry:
8h22m35s
